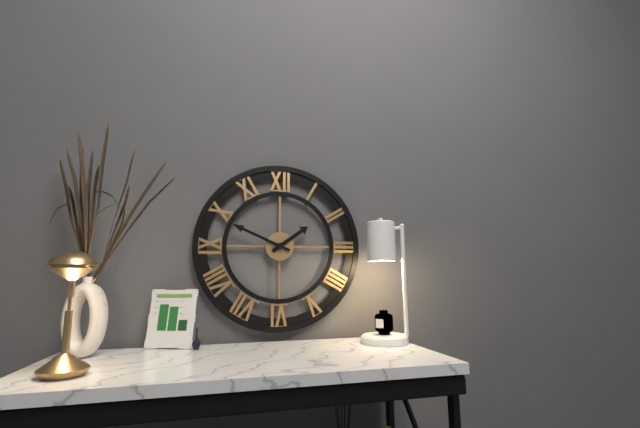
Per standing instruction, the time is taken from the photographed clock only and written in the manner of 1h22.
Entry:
1h49
